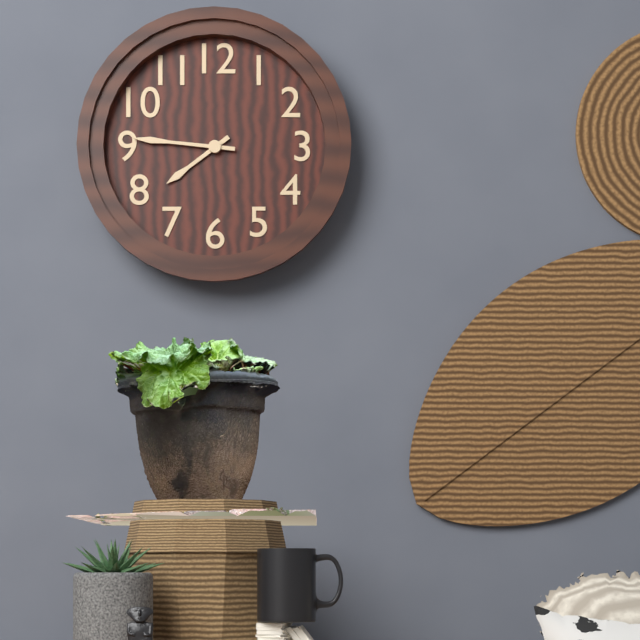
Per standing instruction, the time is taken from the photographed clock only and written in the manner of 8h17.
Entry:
7h46
